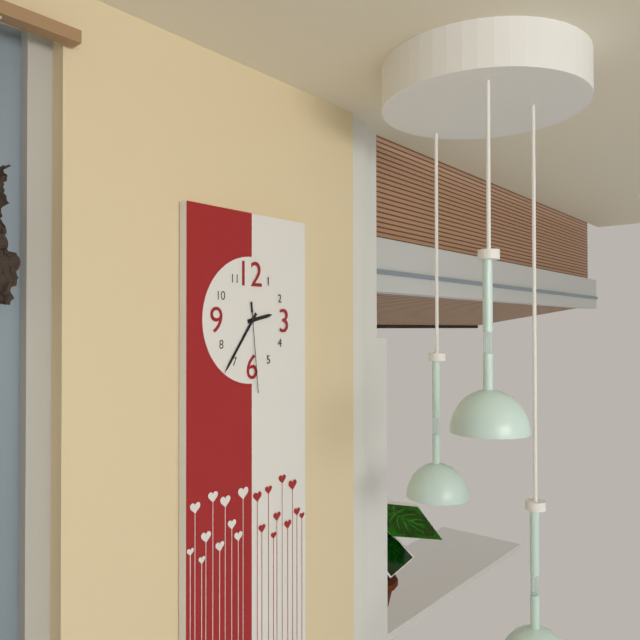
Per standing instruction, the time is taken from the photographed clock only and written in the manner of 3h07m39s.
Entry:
2h36m29s
